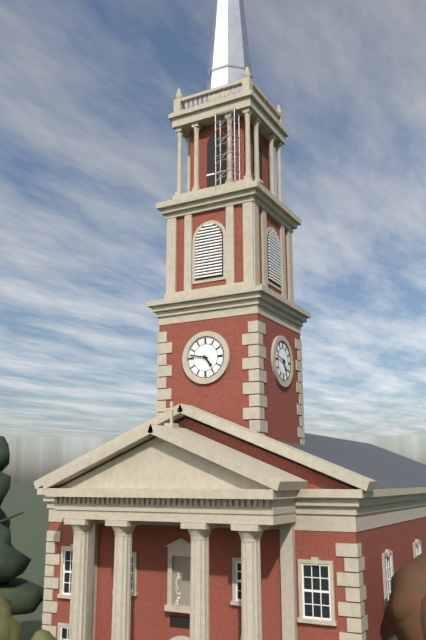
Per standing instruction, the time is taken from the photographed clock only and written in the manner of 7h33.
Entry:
4h47
